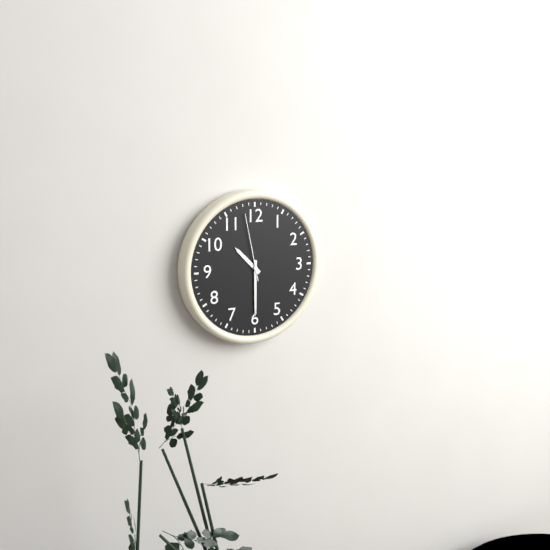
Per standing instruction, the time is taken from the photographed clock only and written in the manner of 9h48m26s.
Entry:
10h30m58s
